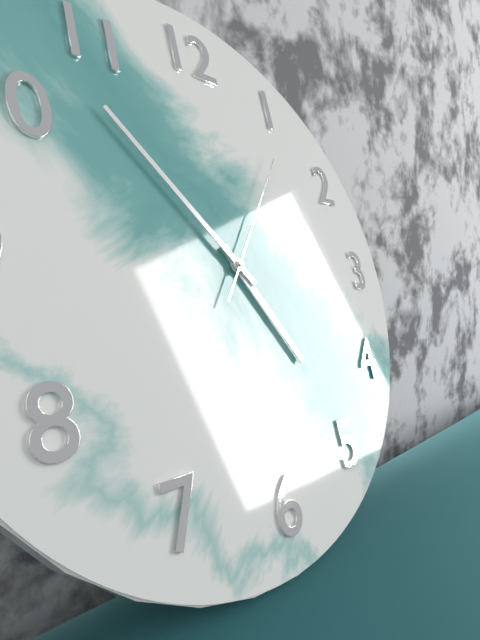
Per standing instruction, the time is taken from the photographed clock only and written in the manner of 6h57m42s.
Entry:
4h53m06s
